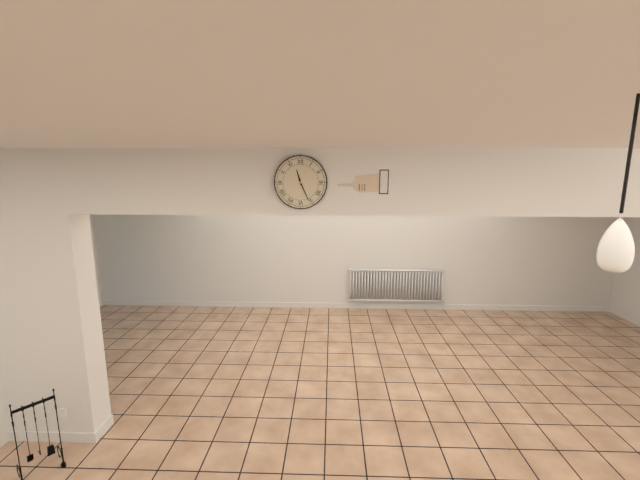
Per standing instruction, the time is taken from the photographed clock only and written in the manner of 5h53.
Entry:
11h26
